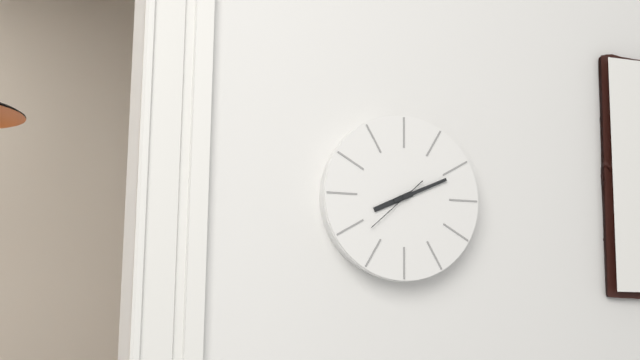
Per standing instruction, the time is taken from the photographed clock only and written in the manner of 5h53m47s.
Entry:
8h11m38s
